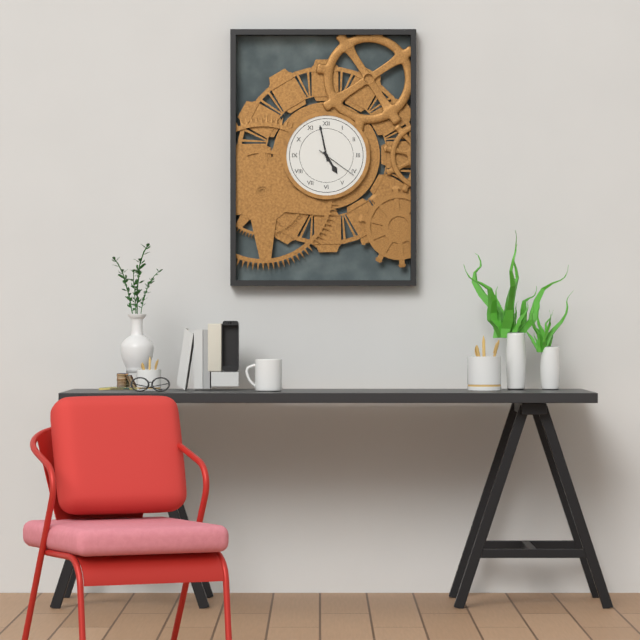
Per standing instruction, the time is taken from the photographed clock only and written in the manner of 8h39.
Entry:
4h58
